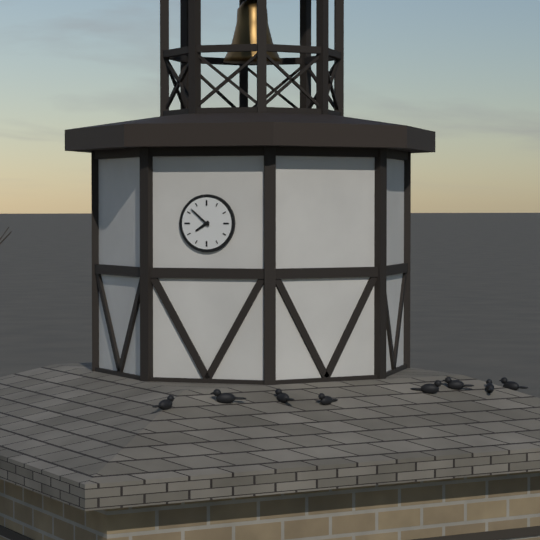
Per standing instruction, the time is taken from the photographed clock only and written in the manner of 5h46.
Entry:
7h52
